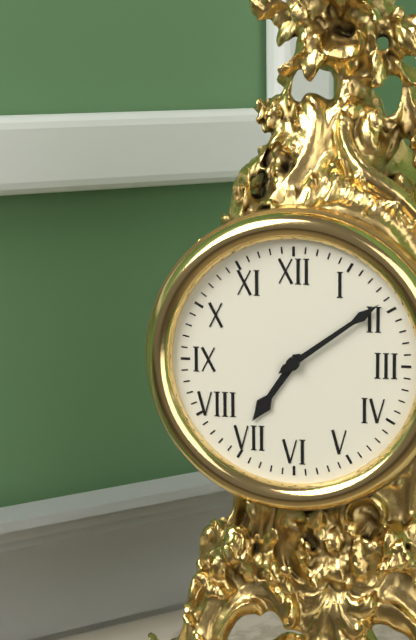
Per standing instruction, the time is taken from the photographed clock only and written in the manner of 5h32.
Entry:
7h09
